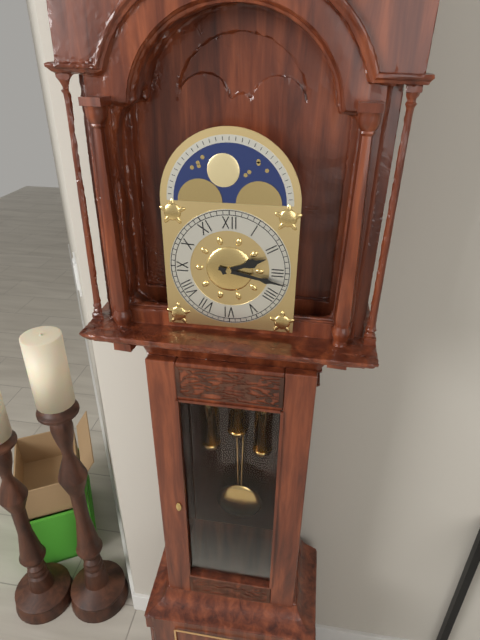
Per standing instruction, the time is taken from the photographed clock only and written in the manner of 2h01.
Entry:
2h17
